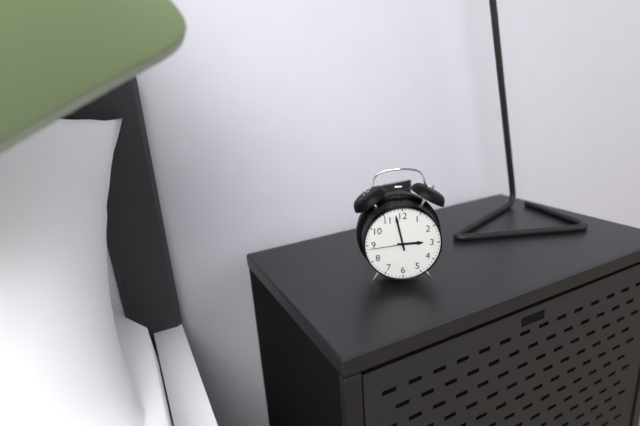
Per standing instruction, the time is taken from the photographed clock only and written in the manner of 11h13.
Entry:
2h58
